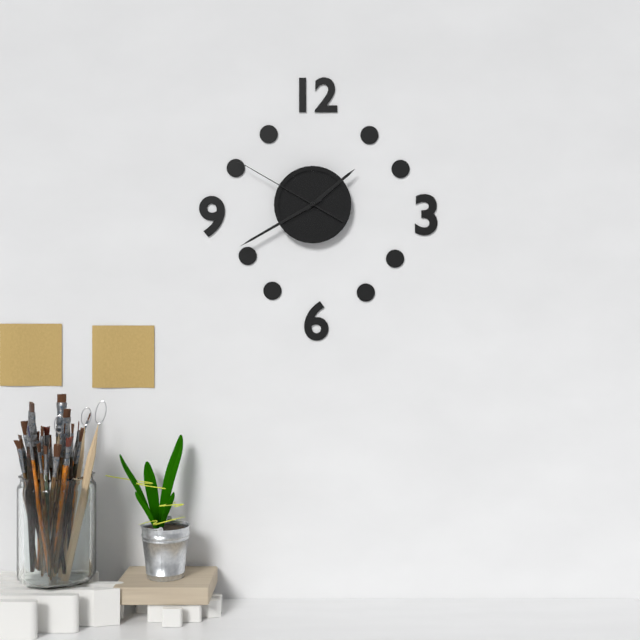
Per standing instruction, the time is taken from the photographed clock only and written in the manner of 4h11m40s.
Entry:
1h40m50s
